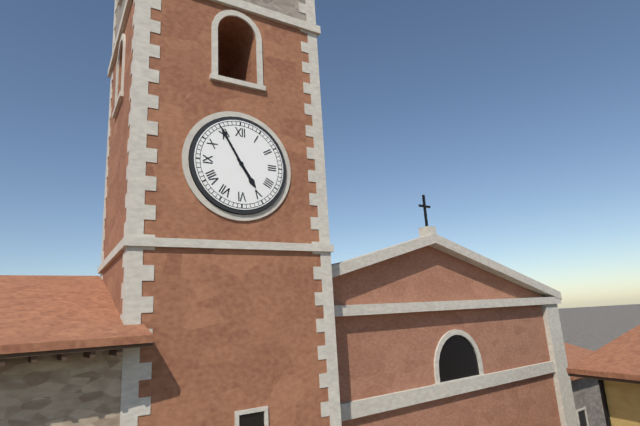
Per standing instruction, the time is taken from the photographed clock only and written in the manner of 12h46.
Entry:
4h55
